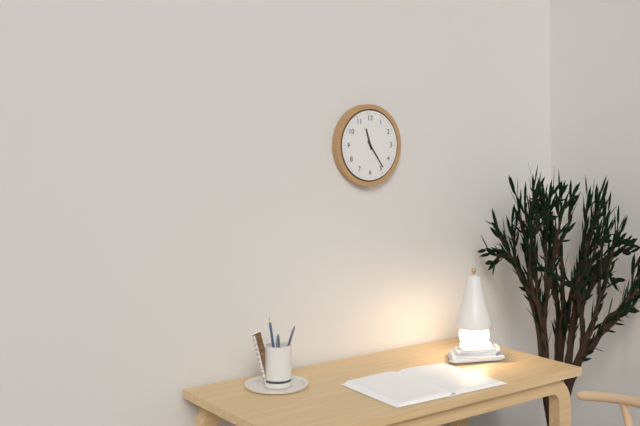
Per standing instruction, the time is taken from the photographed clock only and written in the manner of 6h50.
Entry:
11h24
